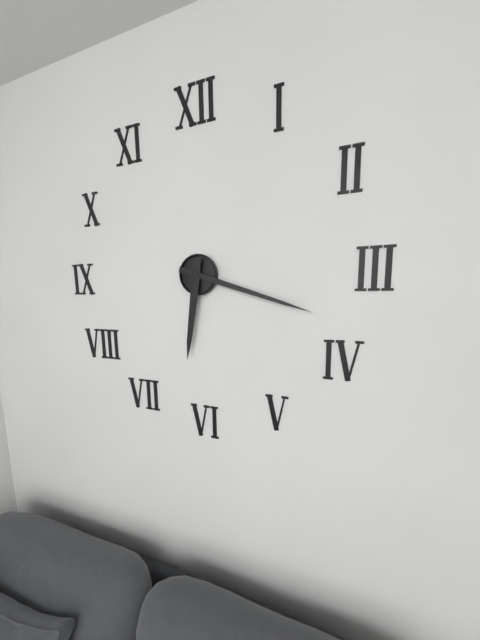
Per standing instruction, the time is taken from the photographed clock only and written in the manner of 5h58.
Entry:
6h18
